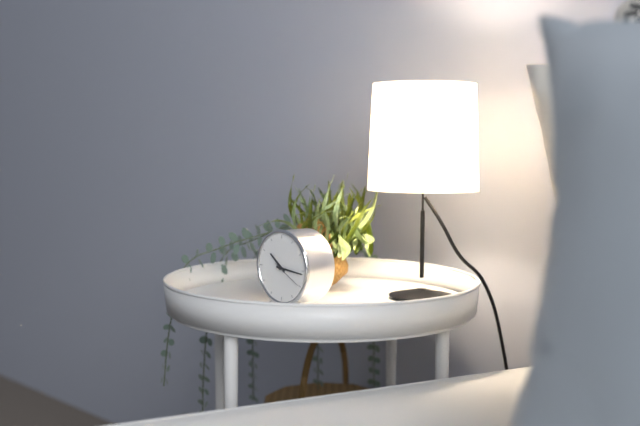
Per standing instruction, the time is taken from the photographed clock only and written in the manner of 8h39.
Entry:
10h16
